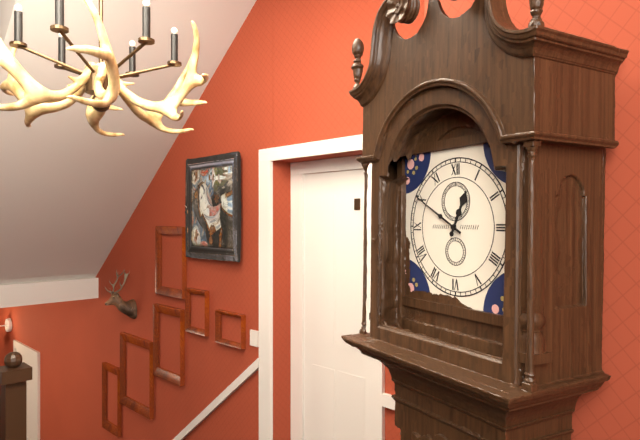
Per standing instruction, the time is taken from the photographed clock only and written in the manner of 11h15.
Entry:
12h50
